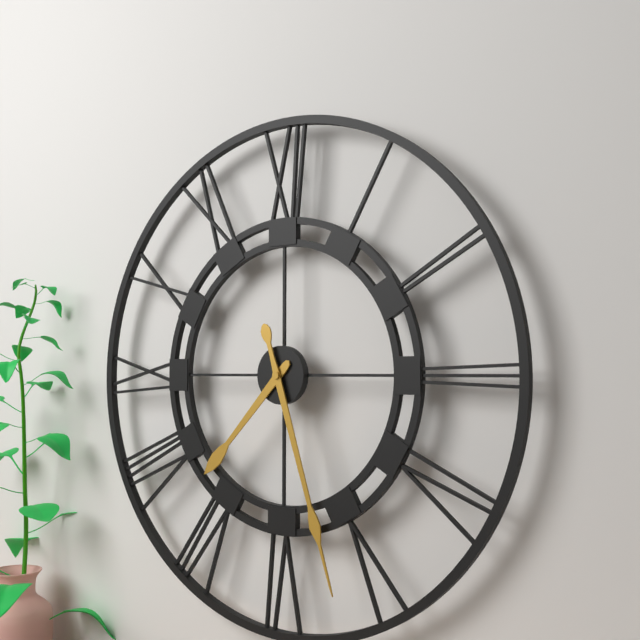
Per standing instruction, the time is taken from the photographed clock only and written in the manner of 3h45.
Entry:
7h27
